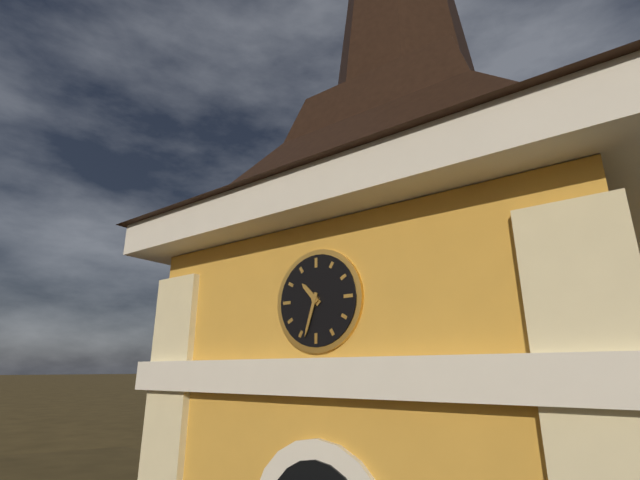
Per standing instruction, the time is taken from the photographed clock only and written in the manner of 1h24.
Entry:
10h33
